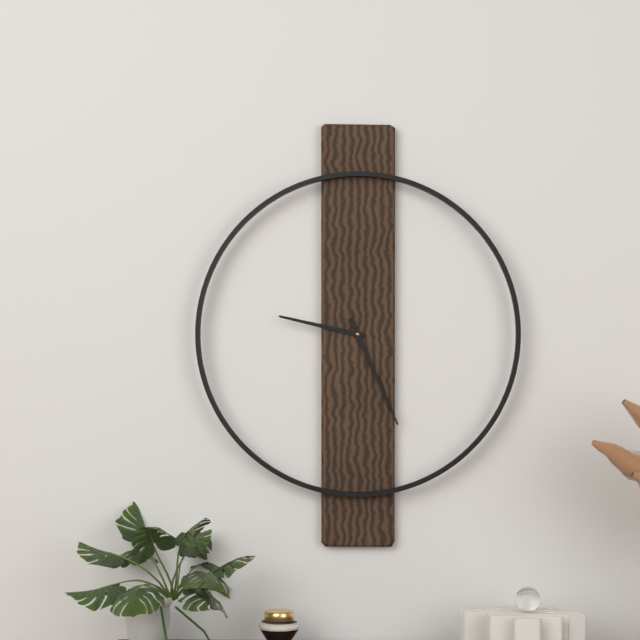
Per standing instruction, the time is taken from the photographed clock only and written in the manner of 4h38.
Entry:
9h26
